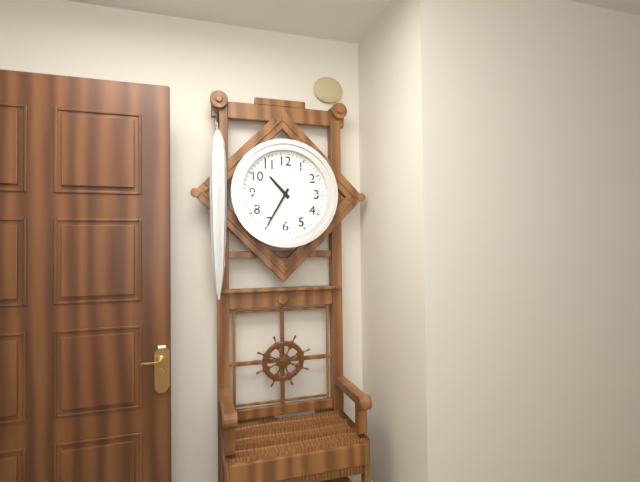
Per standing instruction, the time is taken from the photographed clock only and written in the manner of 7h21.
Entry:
10h35
